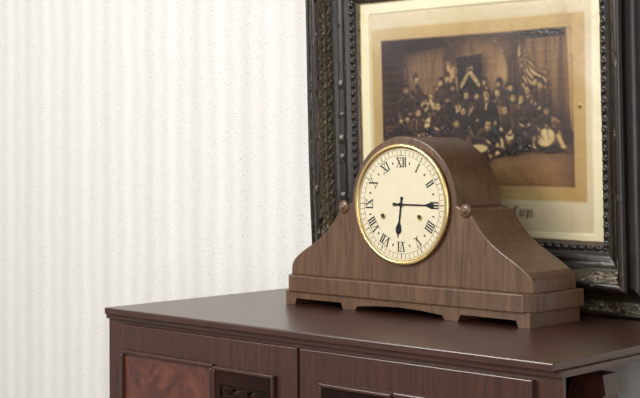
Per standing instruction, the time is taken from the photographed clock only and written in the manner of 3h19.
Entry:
6h15
